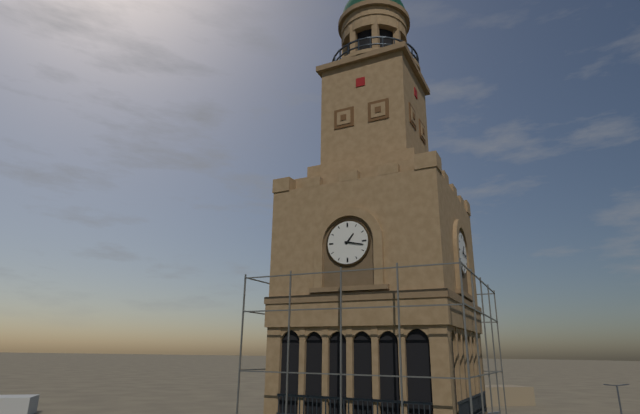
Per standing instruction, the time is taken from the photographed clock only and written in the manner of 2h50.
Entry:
1h17
